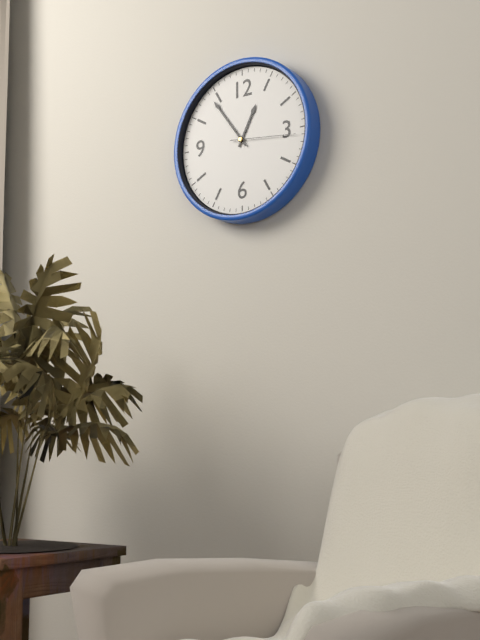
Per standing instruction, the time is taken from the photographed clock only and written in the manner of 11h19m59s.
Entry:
12h54m16s
